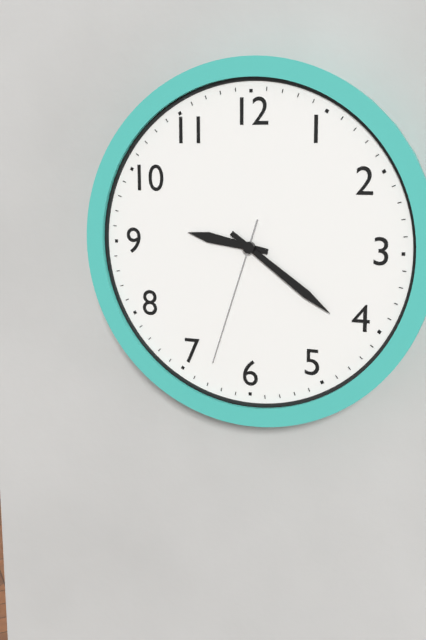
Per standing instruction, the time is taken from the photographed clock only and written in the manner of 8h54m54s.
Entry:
9h21m33s
